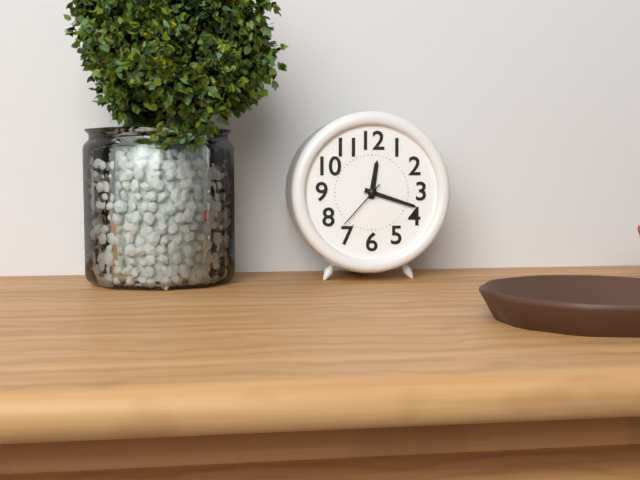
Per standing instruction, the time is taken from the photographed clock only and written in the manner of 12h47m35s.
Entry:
12h18m37s
